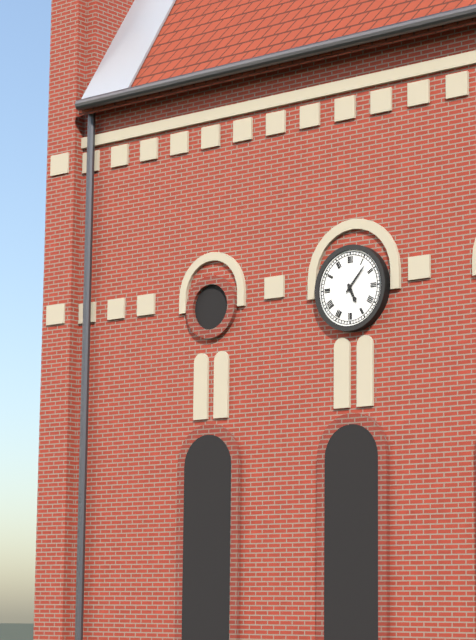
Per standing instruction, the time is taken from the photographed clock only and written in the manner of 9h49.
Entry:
5h07
